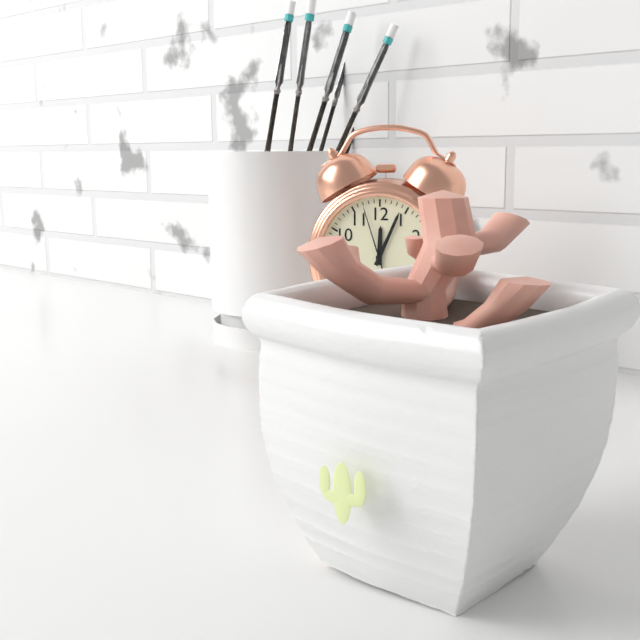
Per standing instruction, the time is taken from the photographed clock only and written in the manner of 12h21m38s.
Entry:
12h04m57s
